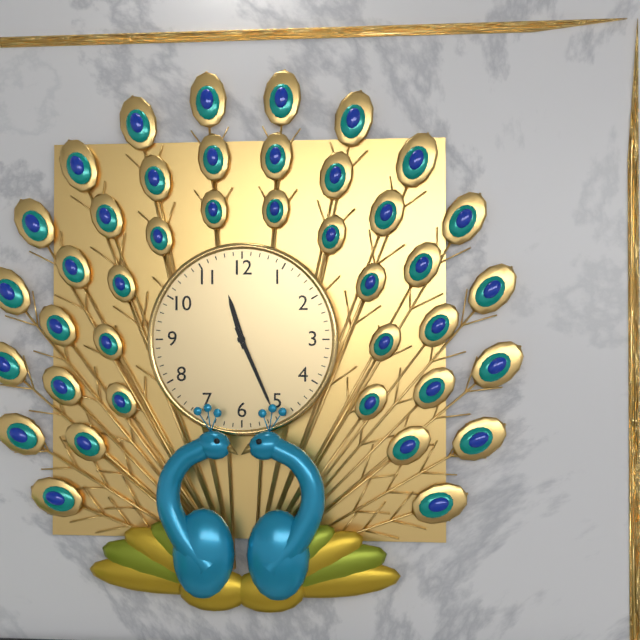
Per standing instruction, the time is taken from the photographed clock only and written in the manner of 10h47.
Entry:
11h26
